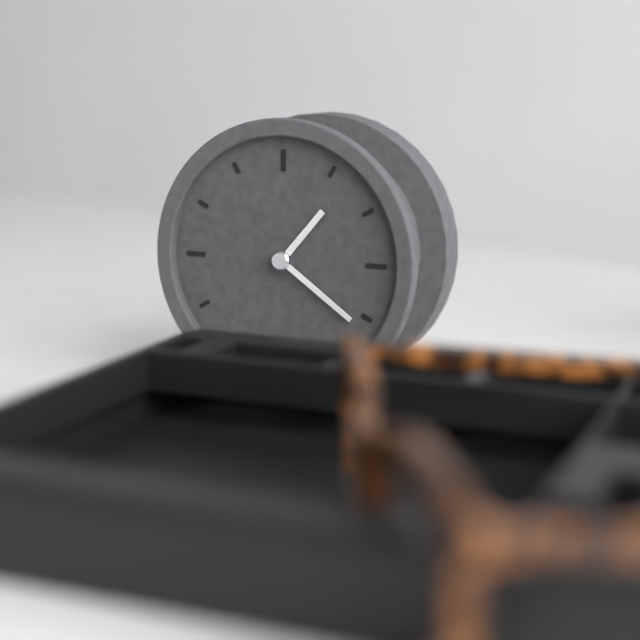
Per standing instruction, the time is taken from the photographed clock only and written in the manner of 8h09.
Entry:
1h21
